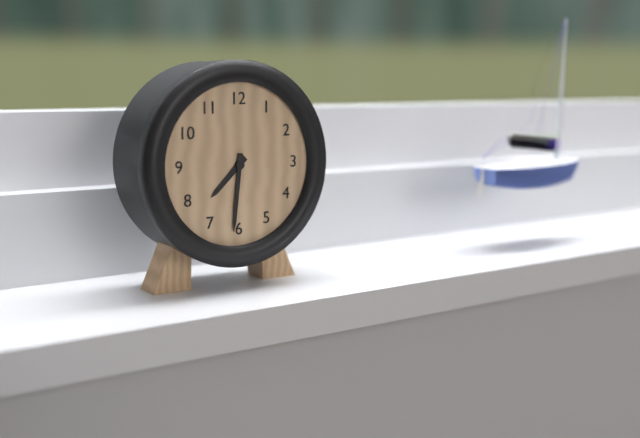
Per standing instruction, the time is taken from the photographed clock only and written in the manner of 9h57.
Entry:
7h31
